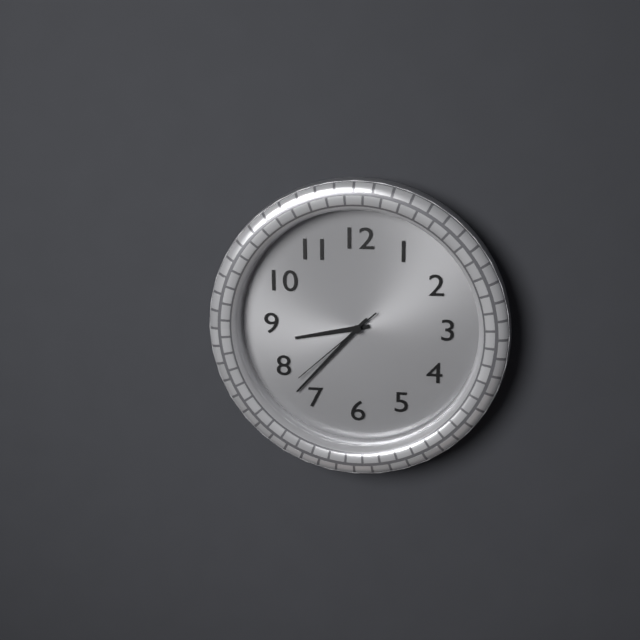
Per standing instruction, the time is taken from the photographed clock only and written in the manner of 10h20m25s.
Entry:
8h37m38s
